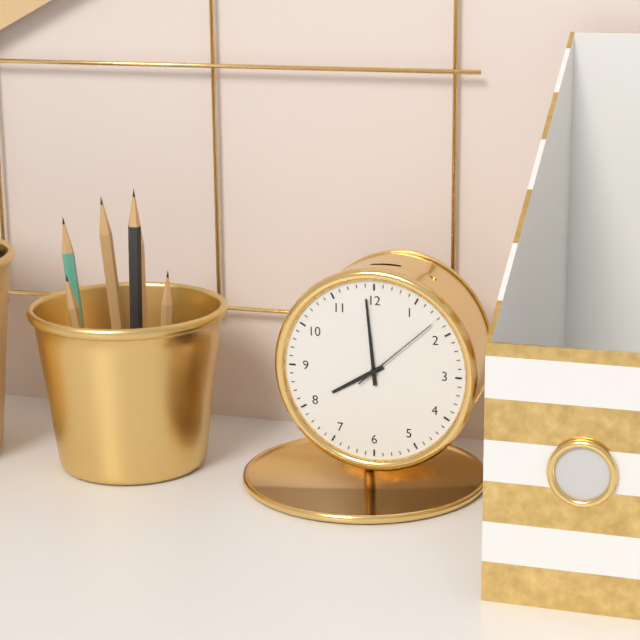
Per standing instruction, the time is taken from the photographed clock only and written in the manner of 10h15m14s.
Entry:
7h59m08s
